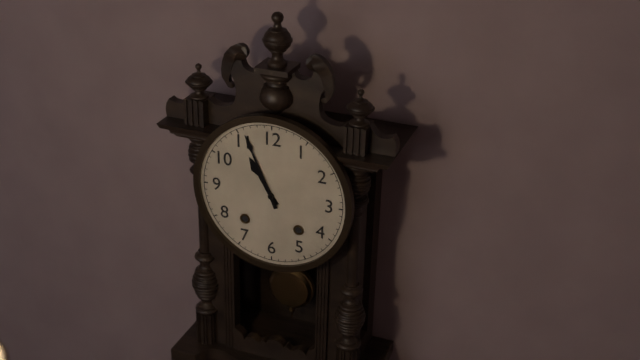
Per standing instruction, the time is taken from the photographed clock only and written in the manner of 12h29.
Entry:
10h56
